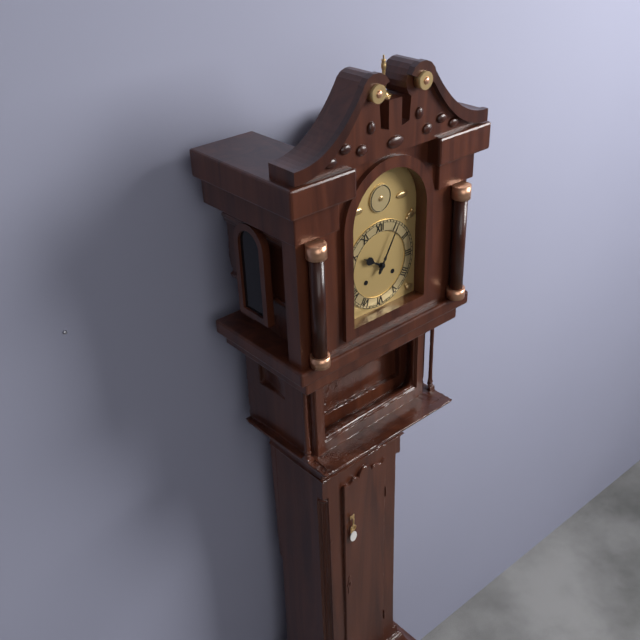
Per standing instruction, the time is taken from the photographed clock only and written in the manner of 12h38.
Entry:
10h05
